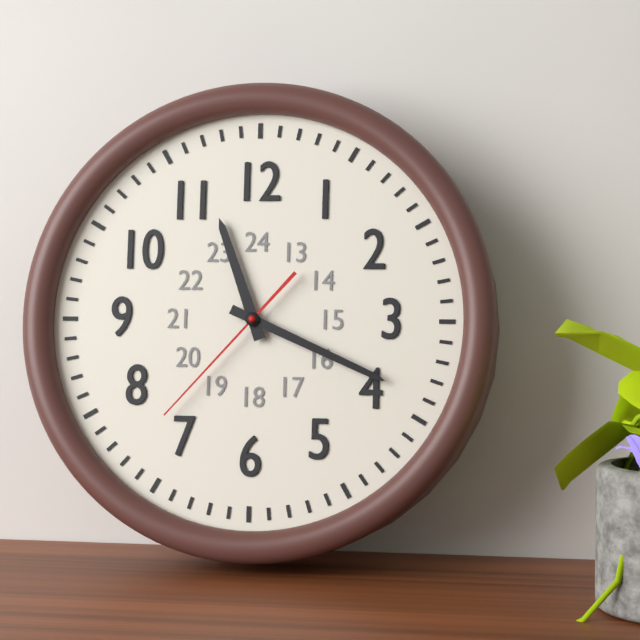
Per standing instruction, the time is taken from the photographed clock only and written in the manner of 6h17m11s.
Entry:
11h19m37s
